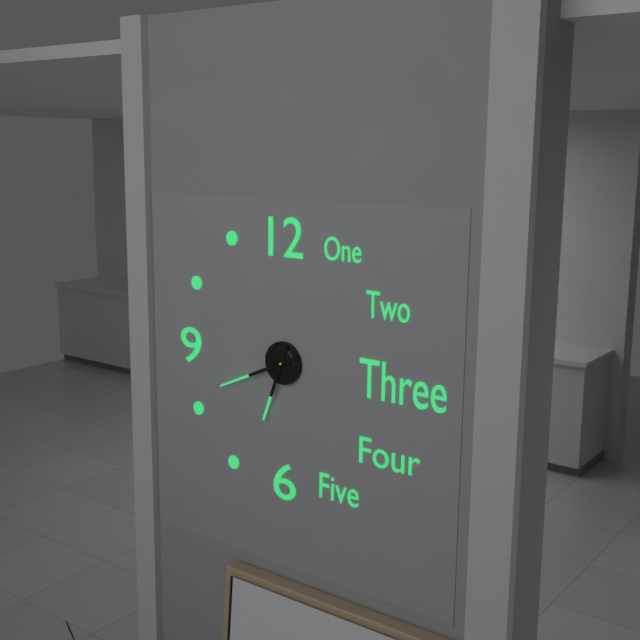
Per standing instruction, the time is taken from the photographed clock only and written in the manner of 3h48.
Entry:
6h41
